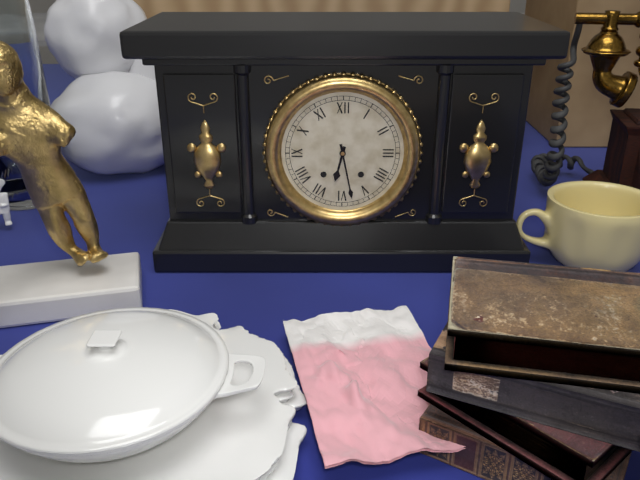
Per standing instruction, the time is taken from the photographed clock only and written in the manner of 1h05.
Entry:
6h28
